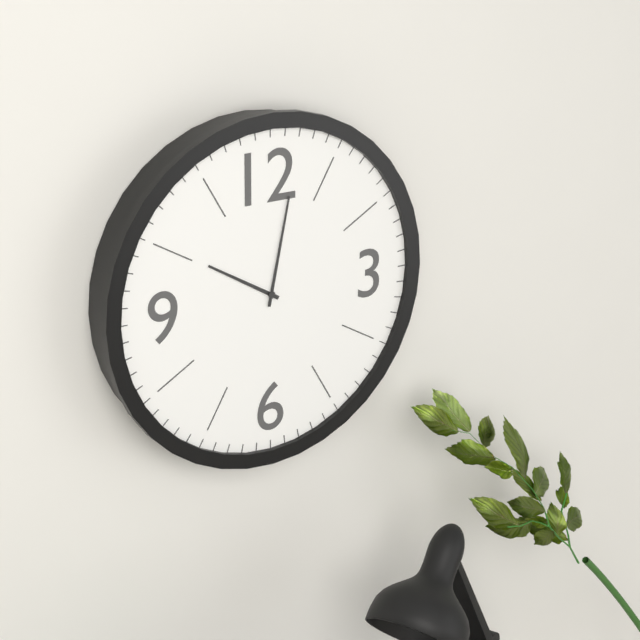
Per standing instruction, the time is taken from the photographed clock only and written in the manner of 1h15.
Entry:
10h02
